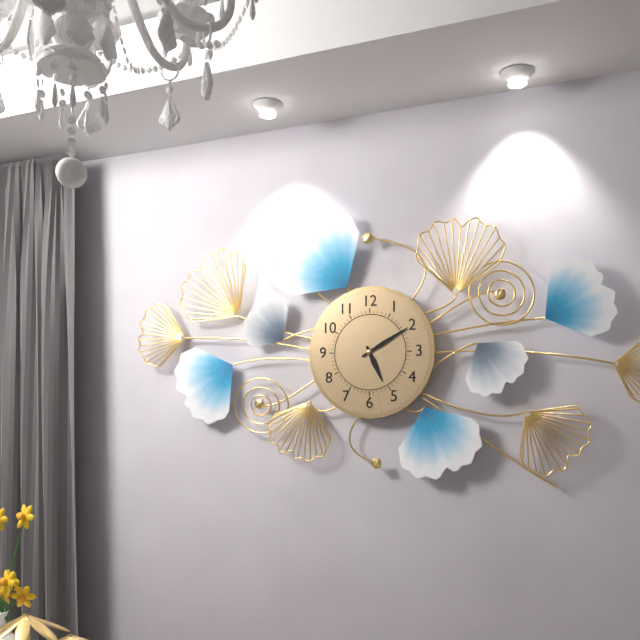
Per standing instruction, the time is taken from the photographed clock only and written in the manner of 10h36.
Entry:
5h10
